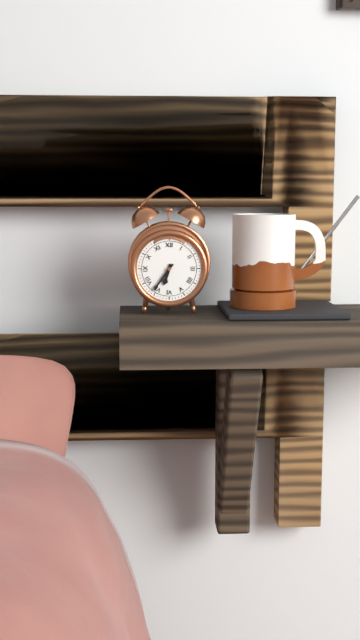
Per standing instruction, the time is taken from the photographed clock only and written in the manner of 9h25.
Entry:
6h36
